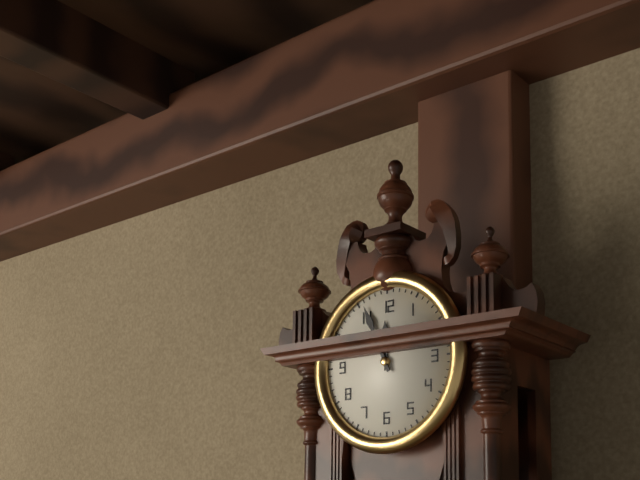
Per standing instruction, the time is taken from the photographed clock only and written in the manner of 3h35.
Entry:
11h56
